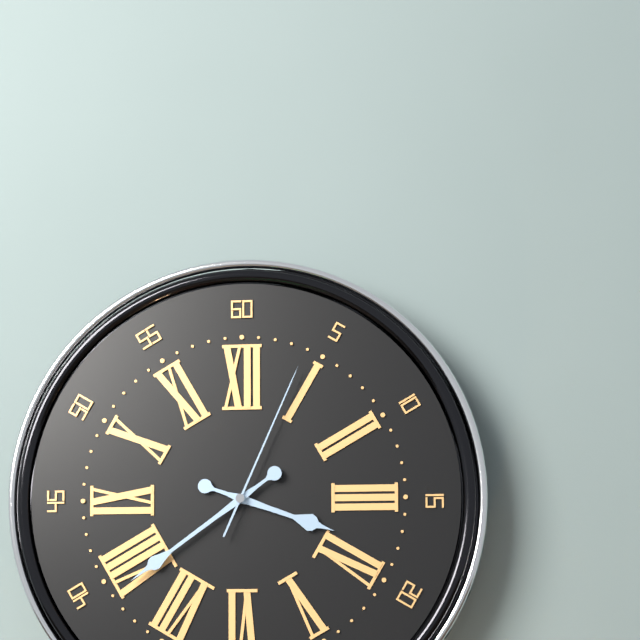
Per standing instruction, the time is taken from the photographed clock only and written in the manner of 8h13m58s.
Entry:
3h39m04s
